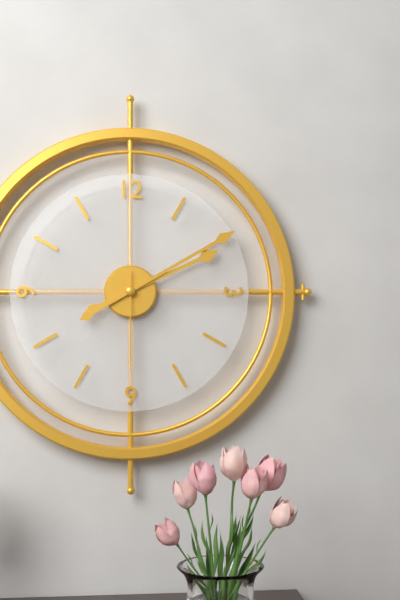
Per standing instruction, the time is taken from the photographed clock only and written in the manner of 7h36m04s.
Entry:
2h10m30s
